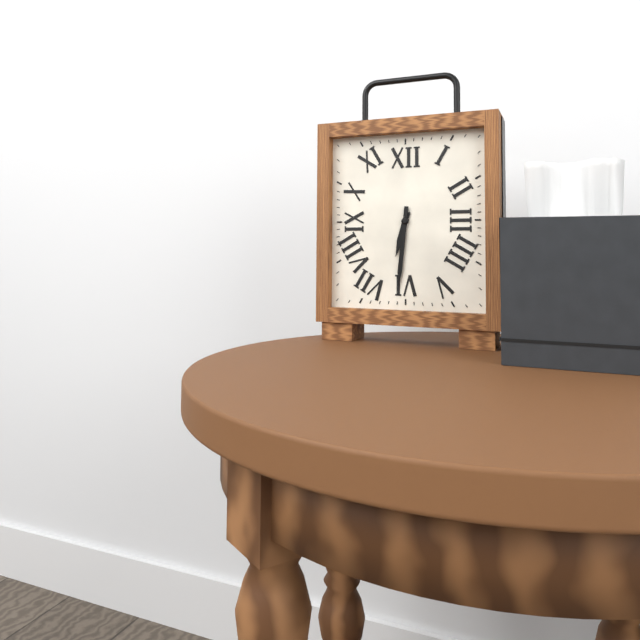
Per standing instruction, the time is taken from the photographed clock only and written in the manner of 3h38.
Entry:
6h31
